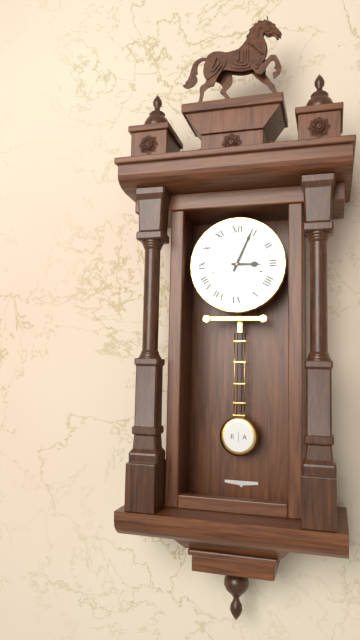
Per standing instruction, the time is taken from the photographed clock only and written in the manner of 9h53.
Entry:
3h04
